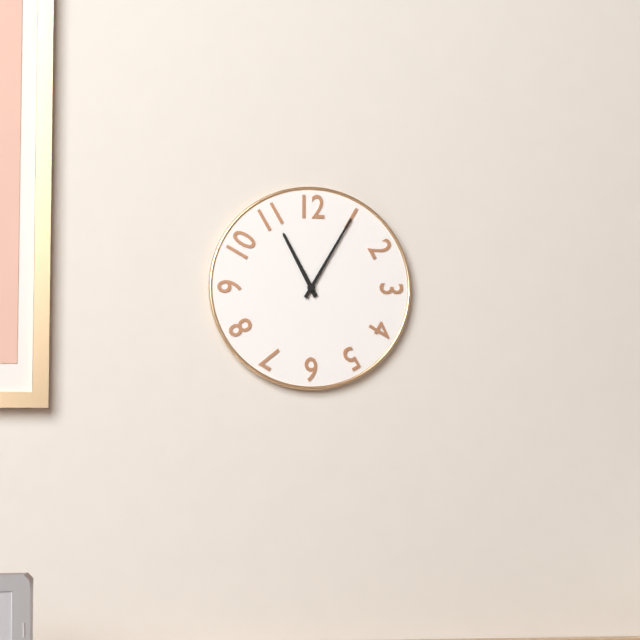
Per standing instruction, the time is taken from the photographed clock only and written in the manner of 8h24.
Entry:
11h05
